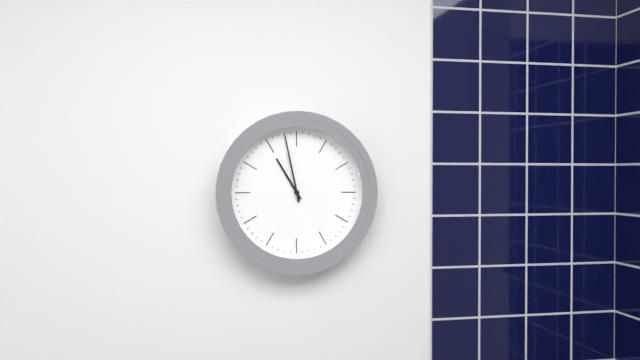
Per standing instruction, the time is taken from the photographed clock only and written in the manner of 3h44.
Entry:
10h58
